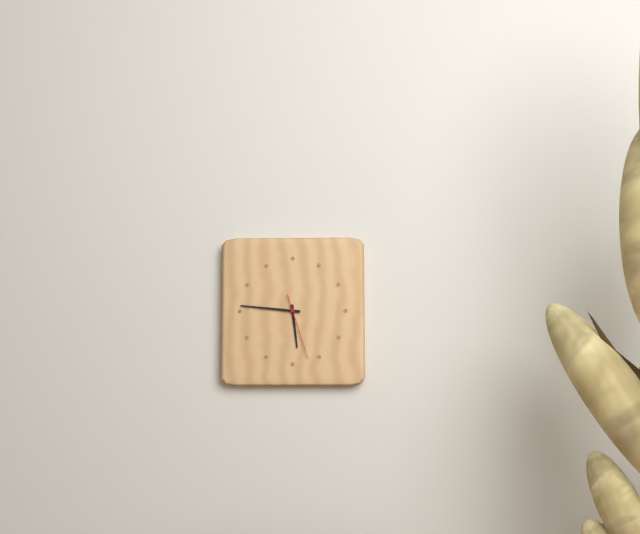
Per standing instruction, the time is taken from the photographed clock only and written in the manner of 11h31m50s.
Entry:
5h46m27s
